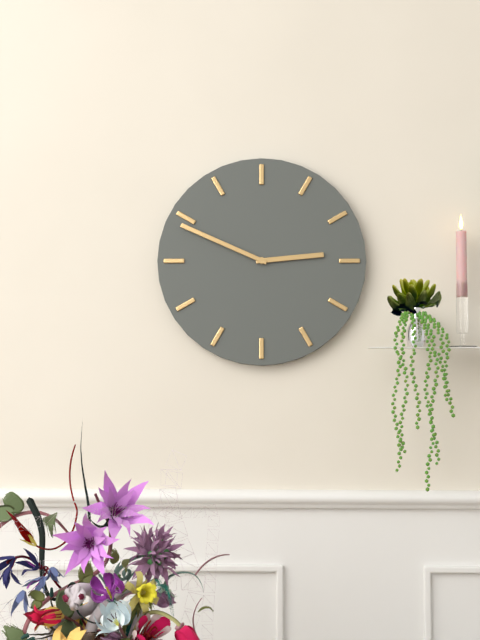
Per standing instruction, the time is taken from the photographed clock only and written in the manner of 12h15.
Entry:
2h49
